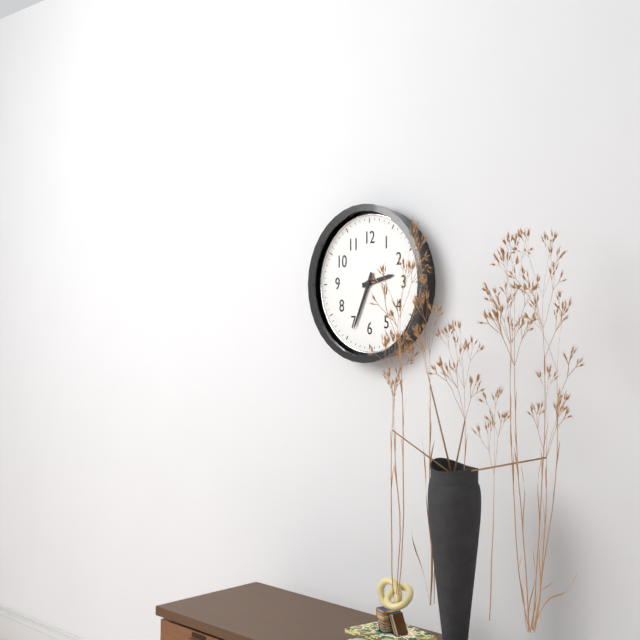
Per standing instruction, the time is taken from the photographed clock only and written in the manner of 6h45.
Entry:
2h34
